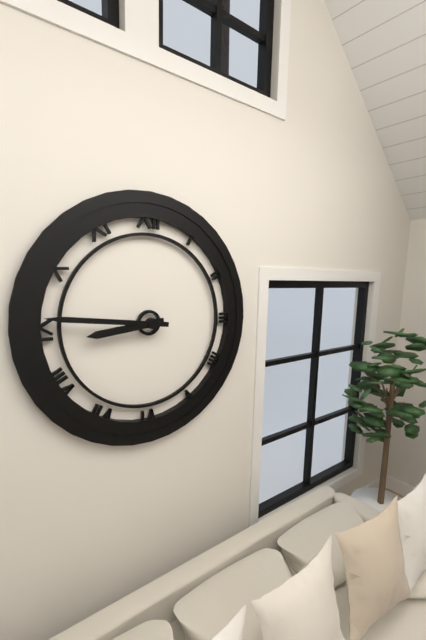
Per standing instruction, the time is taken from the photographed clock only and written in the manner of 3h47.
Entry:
8h46
